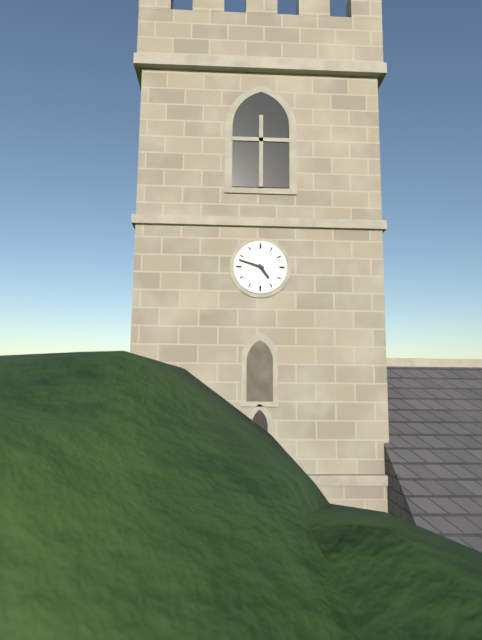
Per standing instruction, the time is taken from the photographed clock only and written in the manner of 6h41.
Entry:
4h48
